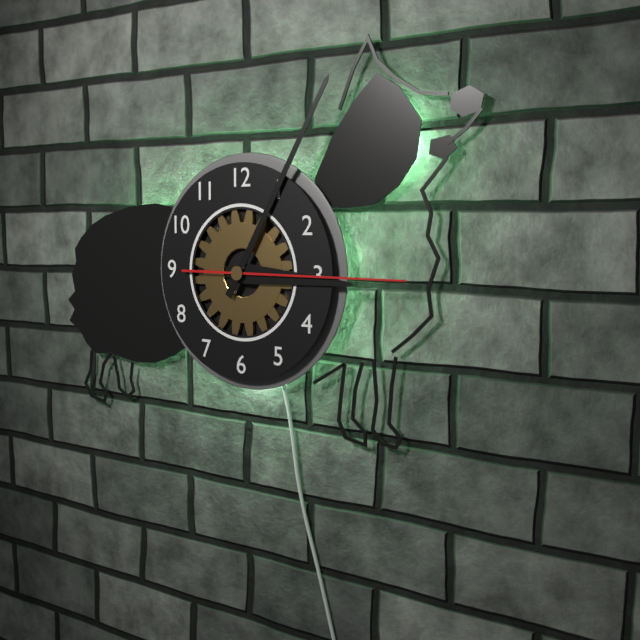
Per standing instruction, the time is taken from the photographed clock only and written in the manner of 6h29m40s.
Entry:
3h05m15s
